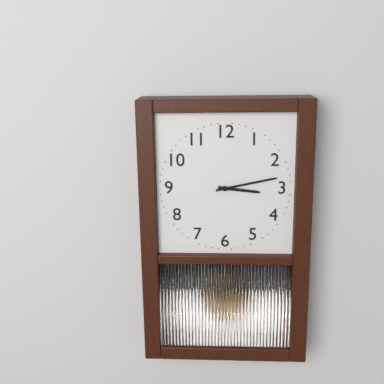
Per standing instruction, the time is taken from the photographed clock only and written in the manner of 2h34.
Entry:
3h13
